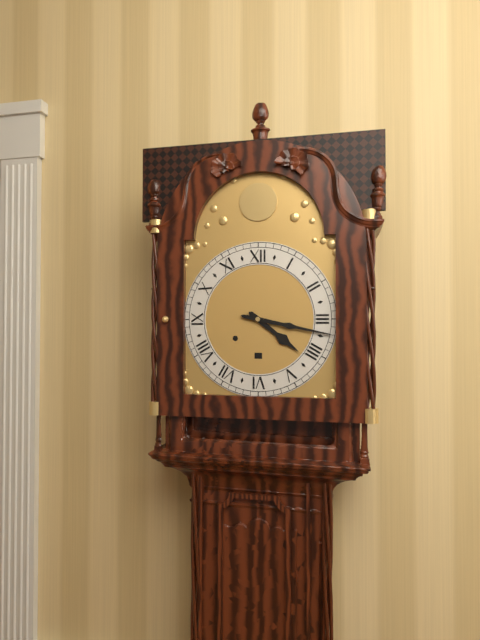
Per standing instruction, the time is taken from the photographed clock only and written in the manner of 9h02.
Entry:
4h17
